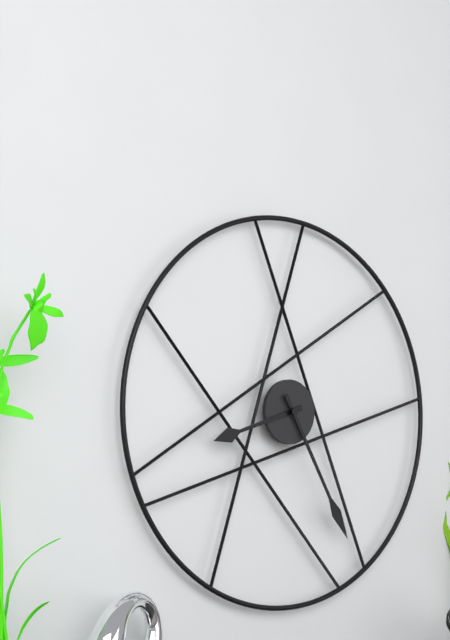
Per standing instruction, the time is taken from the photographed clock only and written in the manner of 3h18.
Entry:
8h25
